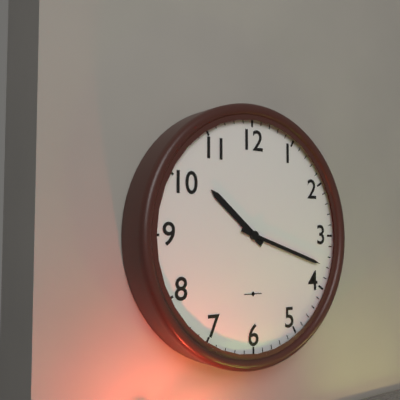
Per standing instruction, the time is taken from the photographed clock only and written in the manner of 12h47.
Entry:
10h18
